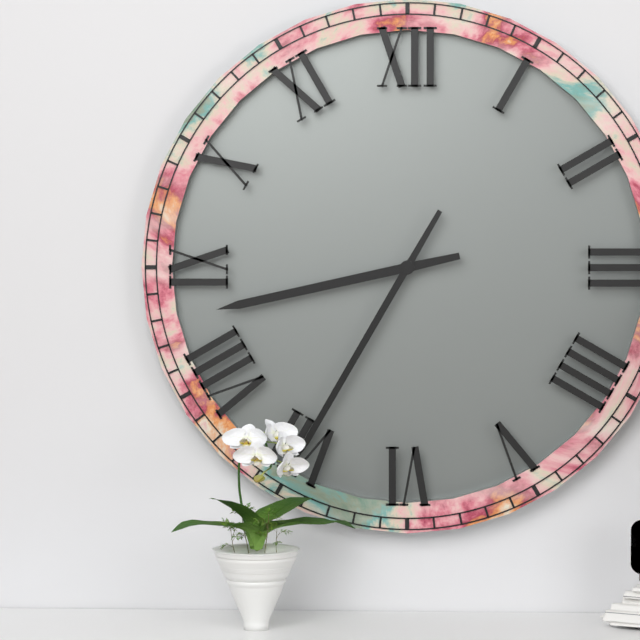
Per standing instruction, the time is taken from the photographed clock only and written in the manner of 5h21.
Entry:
8h35
